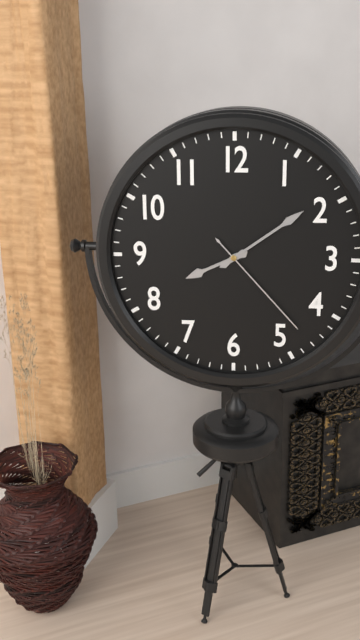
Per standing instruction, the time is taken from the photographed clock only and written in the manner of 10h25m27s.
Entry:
8h09m23s
